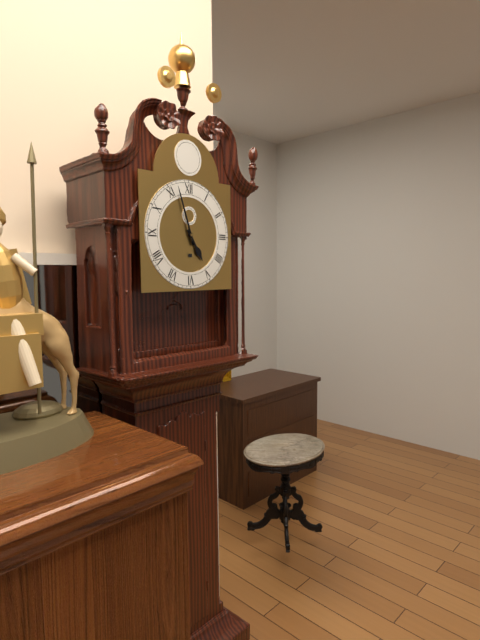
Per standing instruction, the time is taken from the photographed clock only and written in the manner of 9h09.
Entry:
4h57
